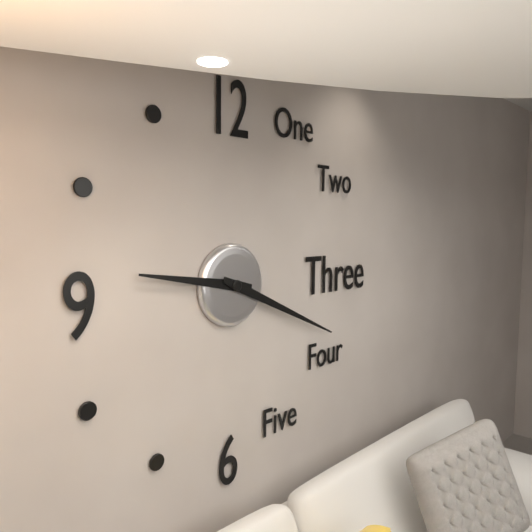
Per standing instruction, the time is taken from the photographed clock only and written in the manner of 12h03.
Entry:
9h19
